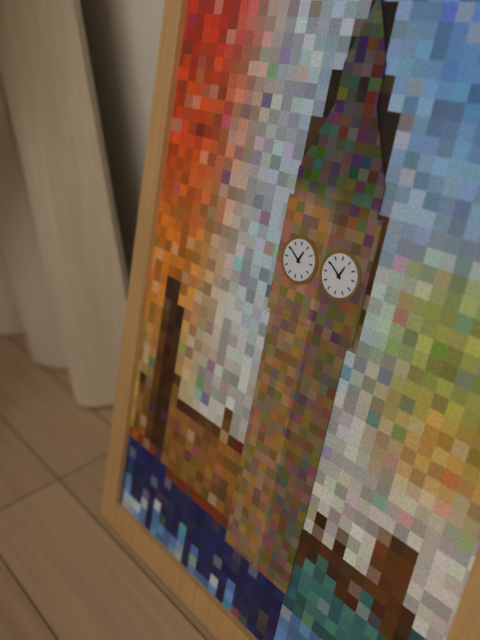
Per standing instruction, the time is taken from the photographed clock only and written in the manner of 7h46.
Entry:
12h51
